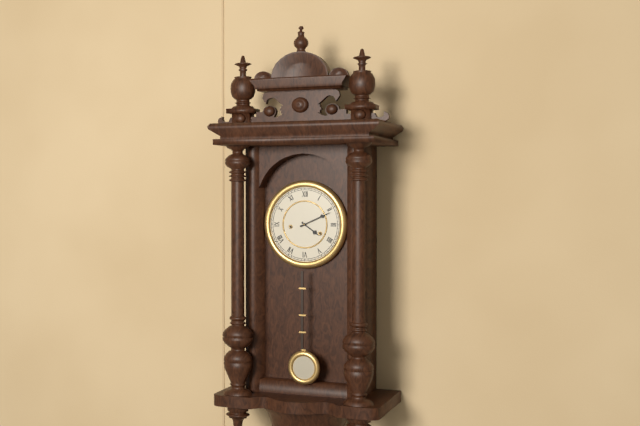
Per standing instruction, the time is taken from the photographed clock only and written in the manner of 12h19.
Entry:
4h11
